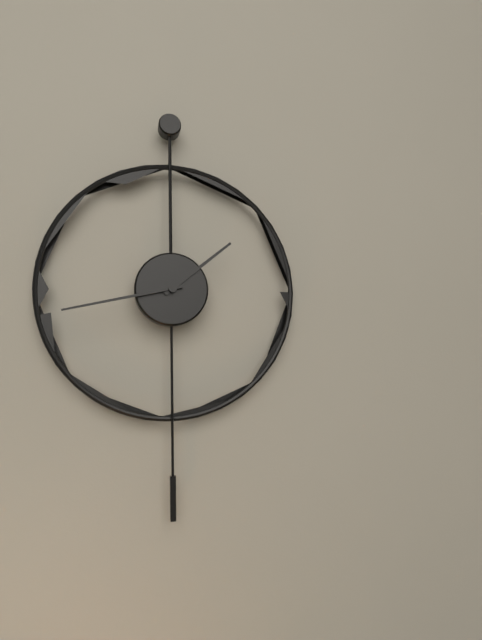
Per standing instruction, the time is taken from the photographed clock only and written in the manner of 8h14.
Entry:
1h43
